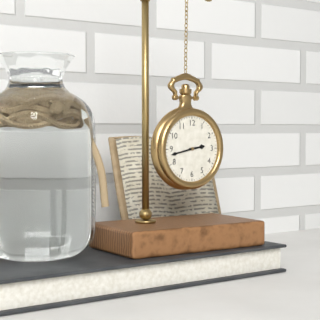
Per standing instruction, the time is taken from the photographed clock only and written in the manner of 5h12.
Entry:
2h43
